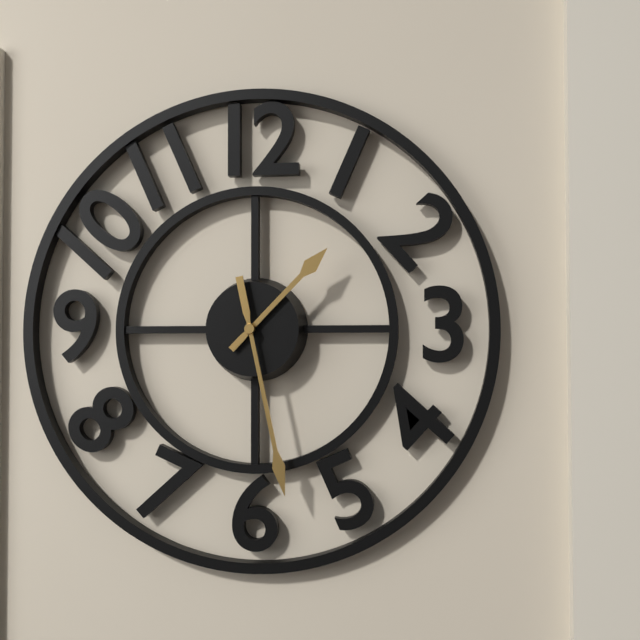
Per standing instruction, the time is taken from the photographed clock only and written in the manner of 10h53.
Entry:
1h28
